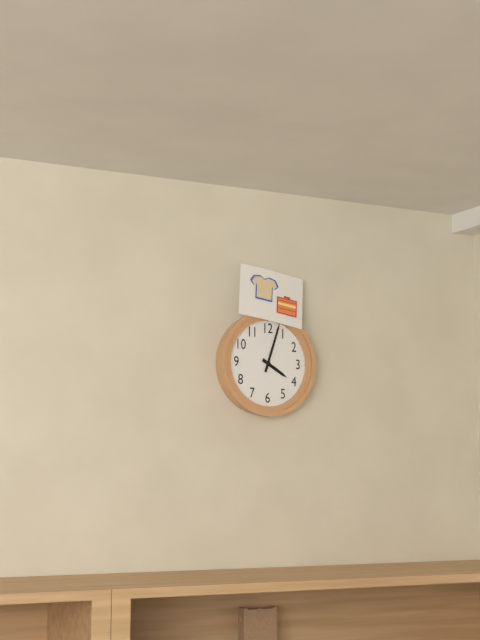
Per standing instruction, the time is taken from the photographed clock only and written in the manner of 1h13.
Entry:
4h03
